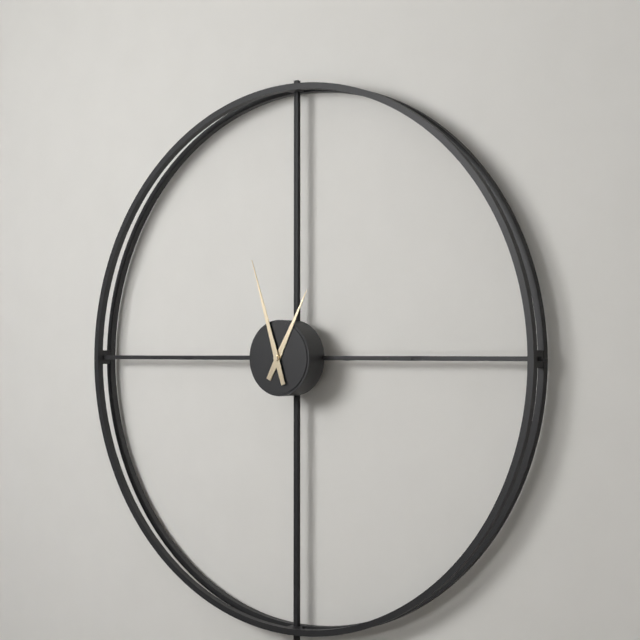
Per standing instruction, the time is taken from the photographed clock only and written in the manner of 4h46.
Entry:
12h57
